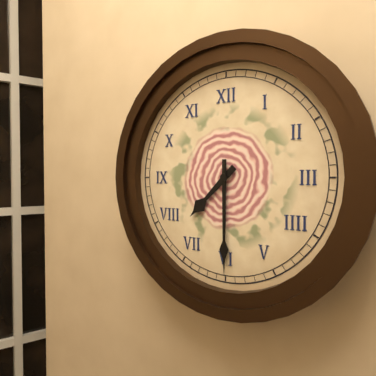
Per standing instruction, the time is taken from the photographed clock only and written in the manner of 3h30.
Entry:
7h30
